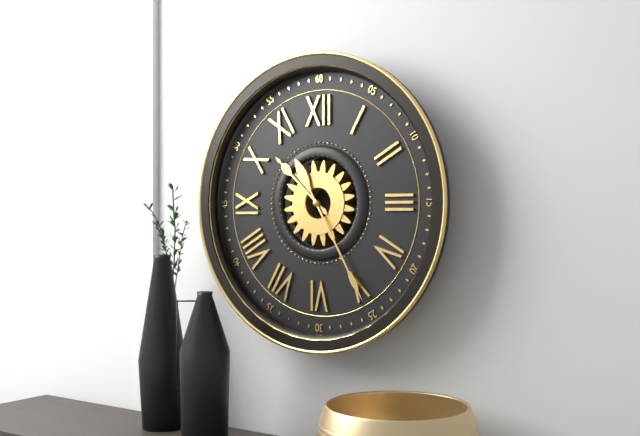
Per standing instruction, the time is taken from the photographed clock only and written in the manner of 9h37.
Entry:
10h25
